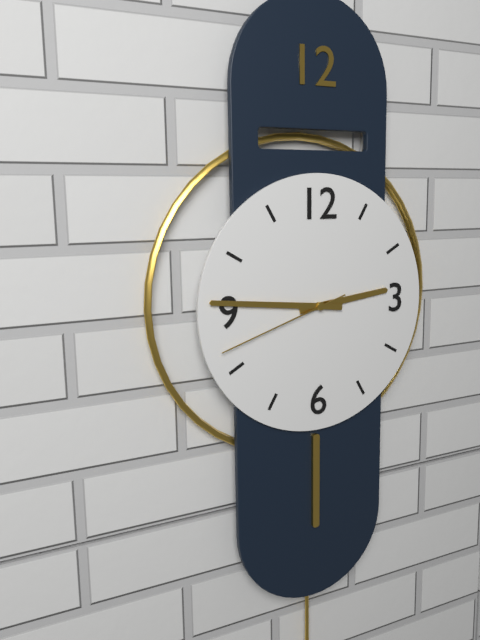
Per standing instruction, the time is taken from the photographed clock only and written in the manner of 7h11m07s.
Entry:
2h46m42s
